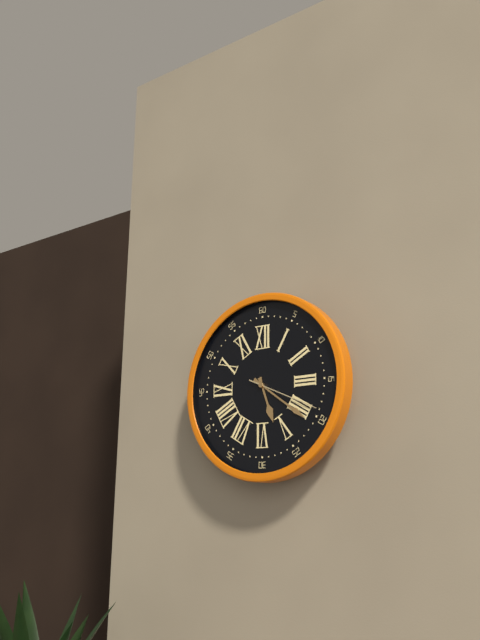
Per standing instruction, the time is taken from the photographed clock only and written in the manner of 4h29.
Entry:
5h21
